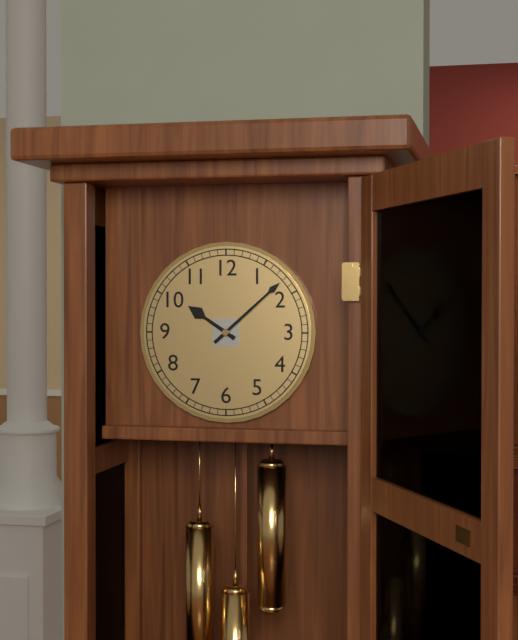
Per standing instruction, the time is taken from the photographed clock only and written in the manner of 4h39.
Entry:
10h08
